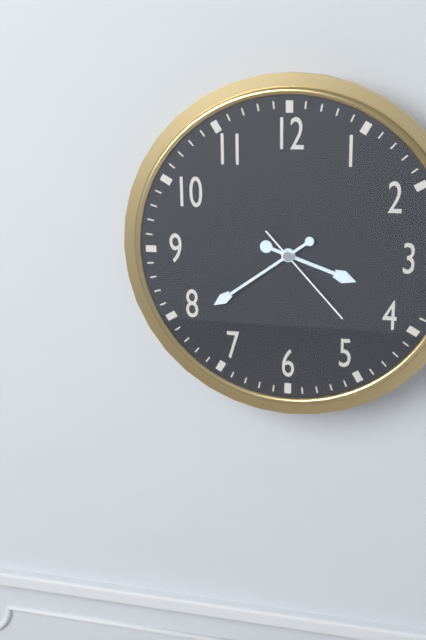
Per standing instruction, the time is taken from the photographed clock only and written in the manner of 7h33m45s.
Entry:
3h39m23s
